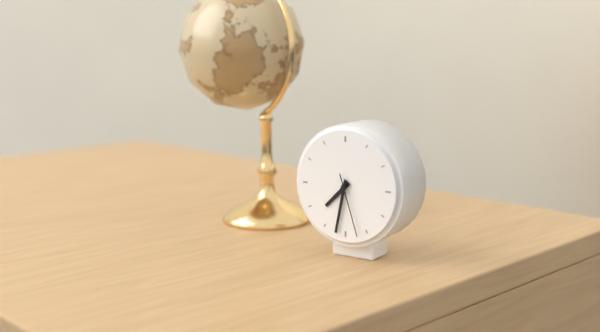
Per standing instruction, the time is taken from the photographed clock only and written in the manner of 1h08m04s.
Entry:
7h32m27s
